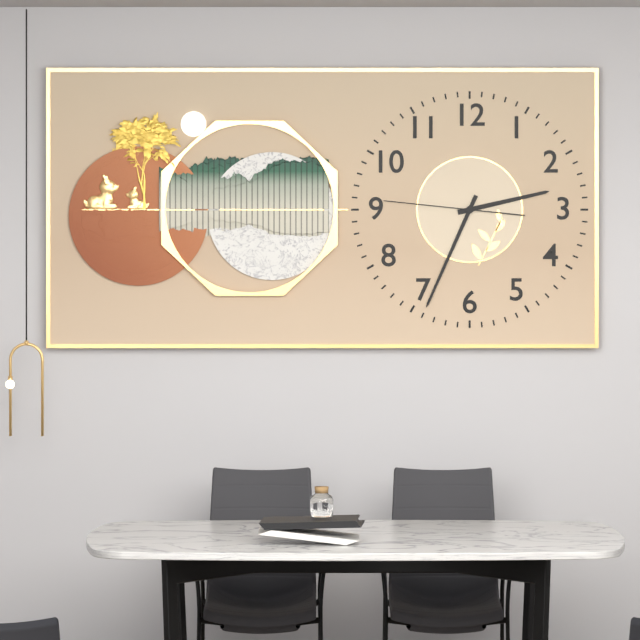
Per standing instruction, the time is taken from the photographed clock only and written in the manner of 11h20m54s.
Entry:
2h34m46s
